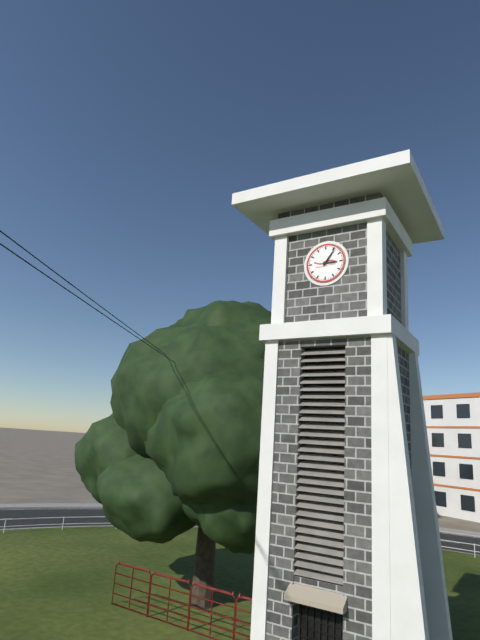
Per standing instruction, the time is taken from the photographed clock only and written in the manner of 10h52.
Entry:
3h06
